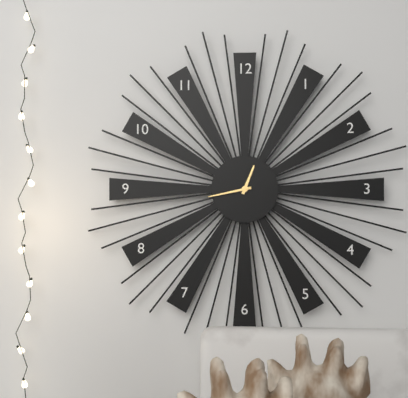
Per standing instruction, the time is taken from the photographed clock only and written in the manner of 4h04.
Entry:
12h43
